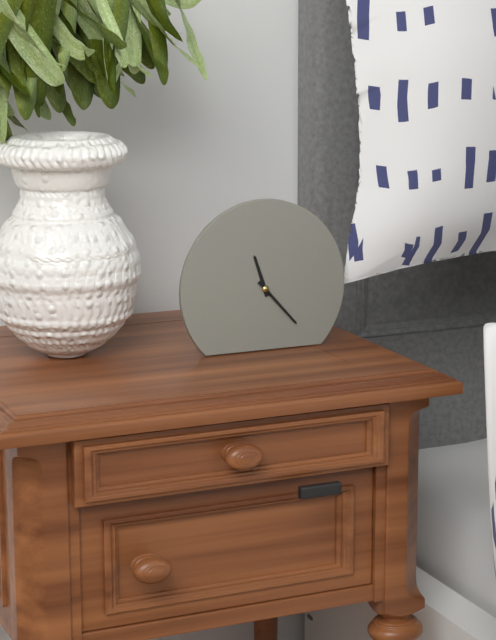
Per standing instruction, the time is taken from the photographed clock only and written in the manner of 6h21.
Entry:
11h23
